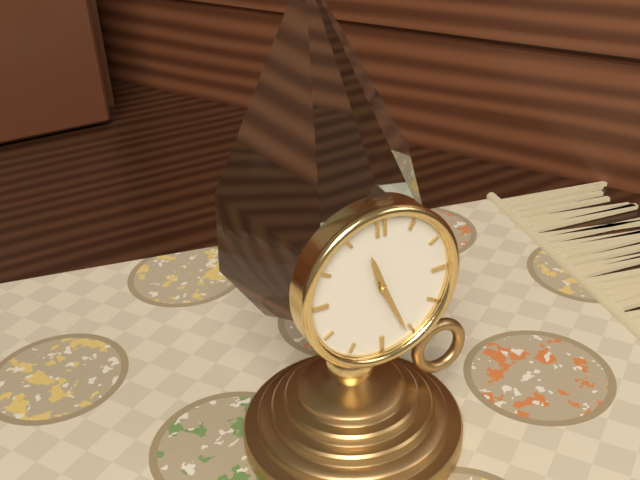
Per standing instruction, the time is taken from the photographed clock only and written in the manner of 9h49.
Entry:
11h26
